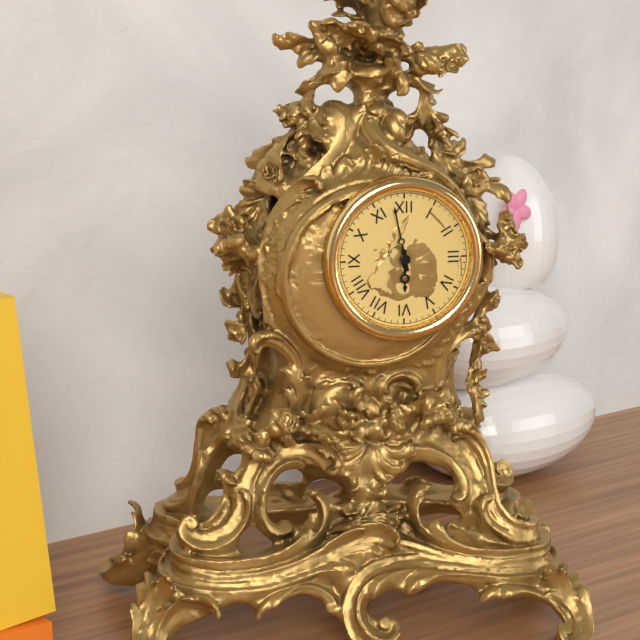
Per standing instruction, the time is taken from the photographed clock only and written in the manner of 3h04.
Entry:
5h58
